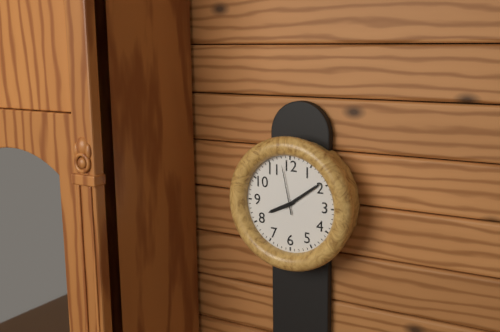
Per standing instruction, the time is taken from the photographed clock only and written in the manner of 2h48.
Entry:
8h09
